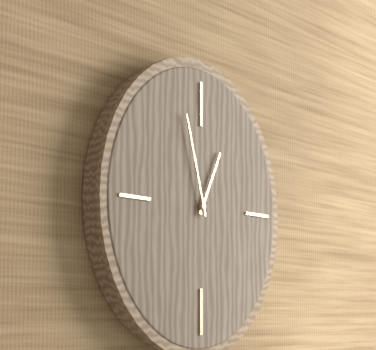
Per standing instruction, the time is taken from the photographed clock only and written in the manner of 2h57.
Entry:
12h57
